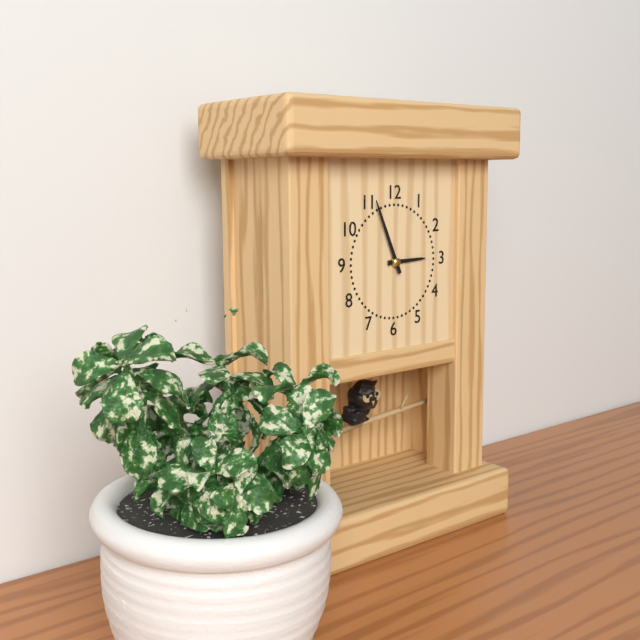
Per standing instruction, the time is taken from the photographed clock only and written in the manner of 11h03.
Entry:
2h56
